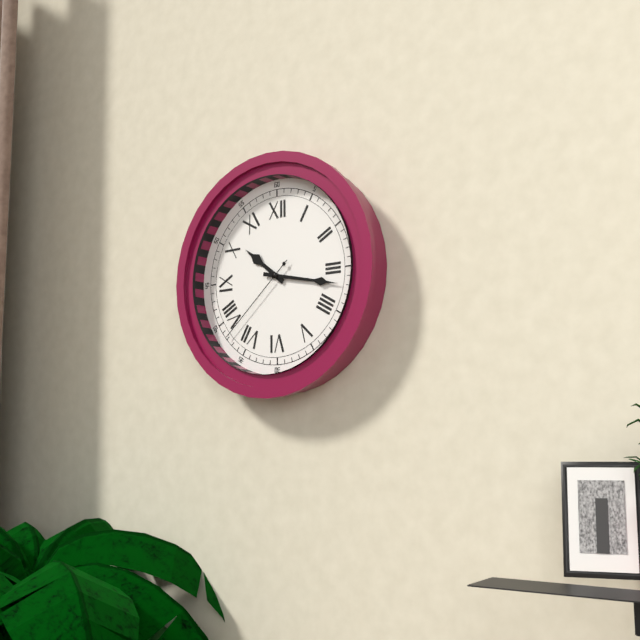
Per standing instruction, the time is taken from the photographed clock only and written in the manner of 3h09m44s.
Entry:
10h17m38s
